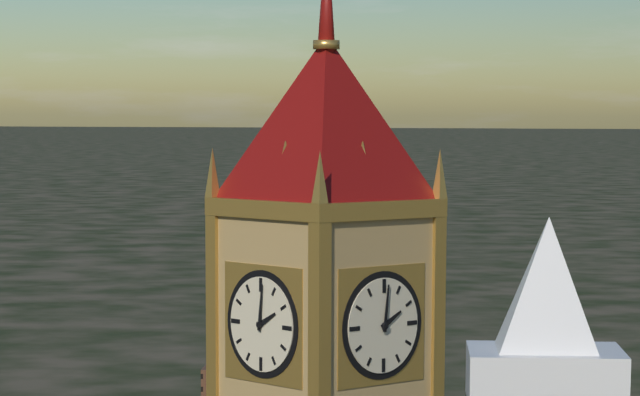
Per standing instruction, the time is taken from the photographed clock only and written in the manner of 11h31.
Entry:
2h01
